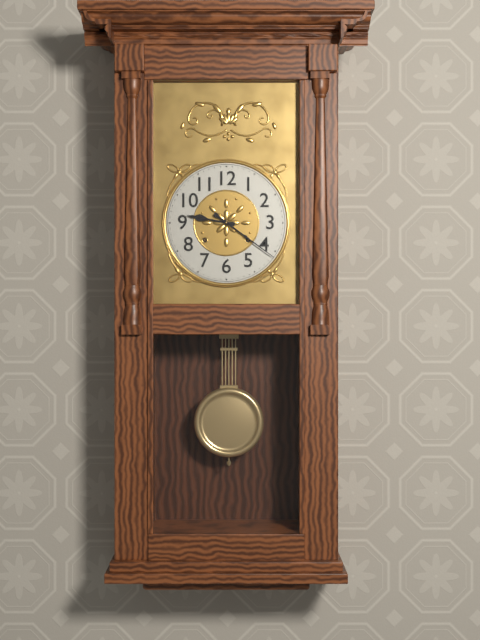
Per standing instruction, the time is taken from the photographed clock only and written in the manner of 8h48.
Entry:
9h21
